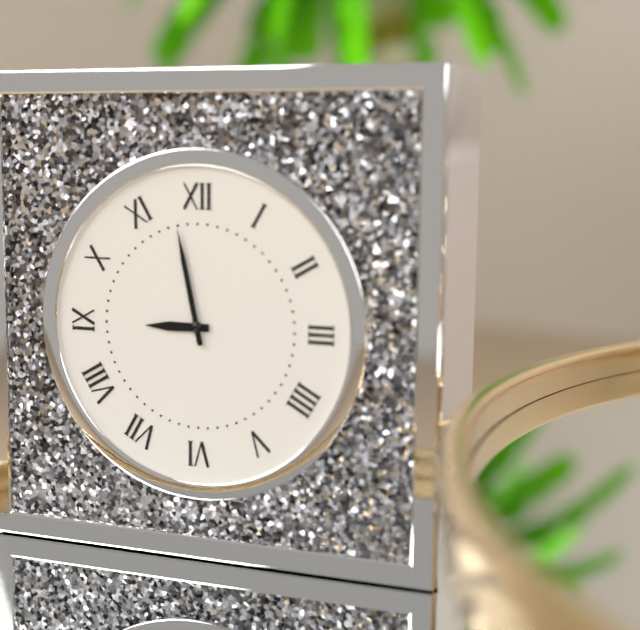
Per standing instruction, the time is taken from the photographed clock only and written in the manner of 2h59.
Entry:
8h58
